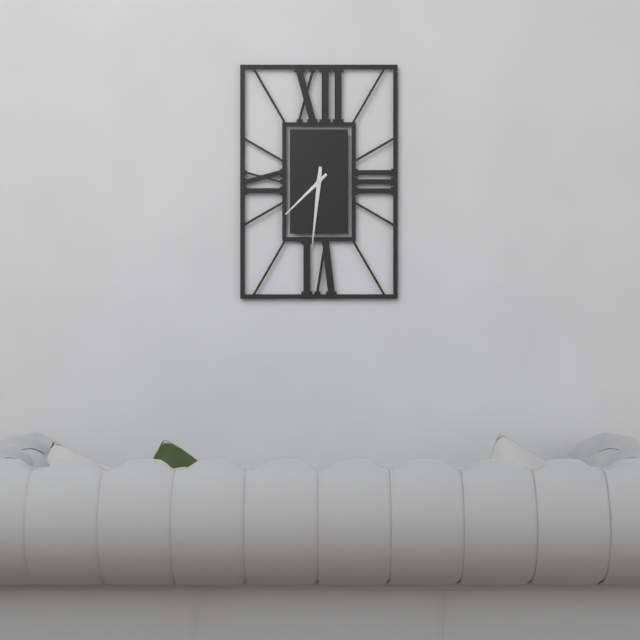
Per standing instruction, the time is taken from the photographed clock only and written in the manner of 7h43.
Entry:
7h31
